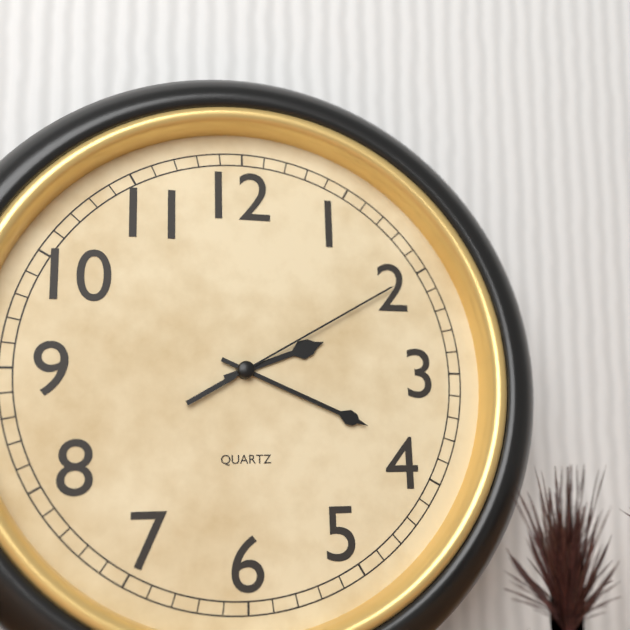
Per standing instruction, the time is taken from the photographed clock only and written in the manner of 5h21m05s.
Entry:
2h19m10s
